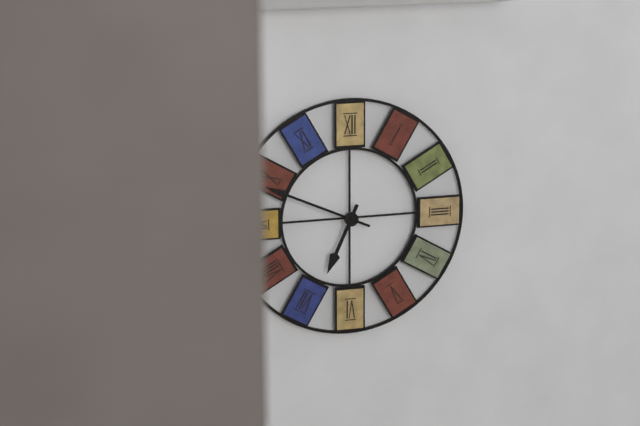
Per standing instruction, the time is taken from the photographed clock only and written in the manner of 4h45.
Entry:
6h49
